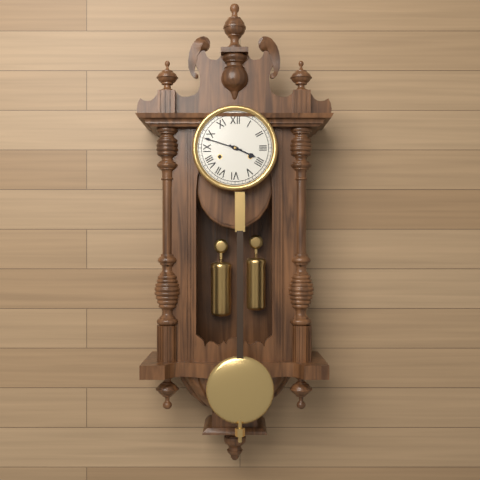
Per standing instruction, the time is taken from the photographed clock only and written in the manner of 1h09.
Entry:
3h48
